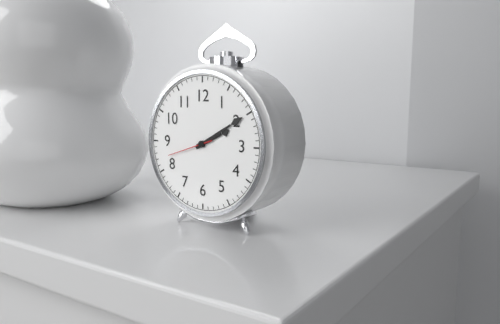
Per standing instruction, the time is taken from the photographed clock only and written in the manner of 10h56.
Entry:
2h10
